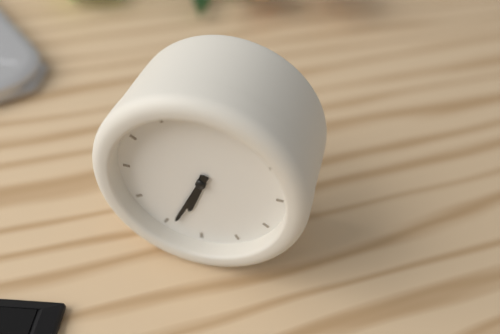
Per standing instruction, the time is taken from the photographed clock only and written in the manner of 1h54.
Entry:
6h34
